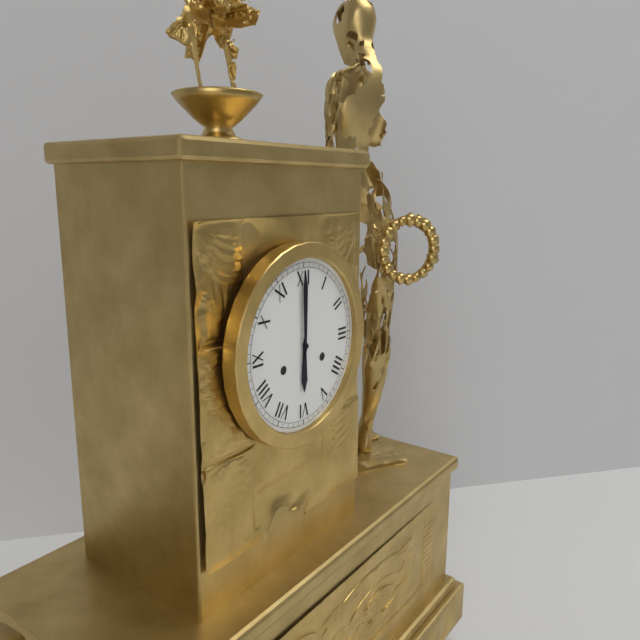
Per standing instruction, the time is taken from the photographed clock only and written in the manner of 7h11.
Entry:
6h00
